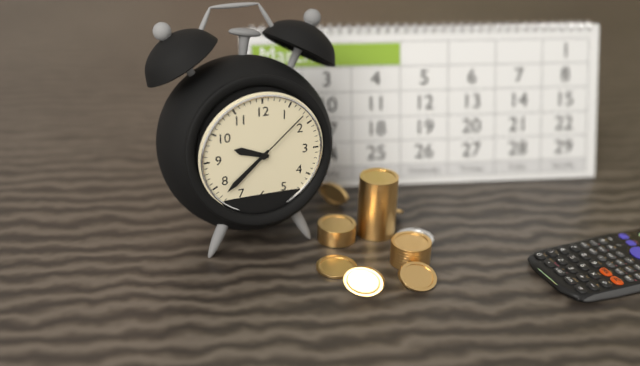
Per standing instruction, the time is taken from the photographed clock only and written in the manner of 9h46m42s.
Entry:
9h38m08s
